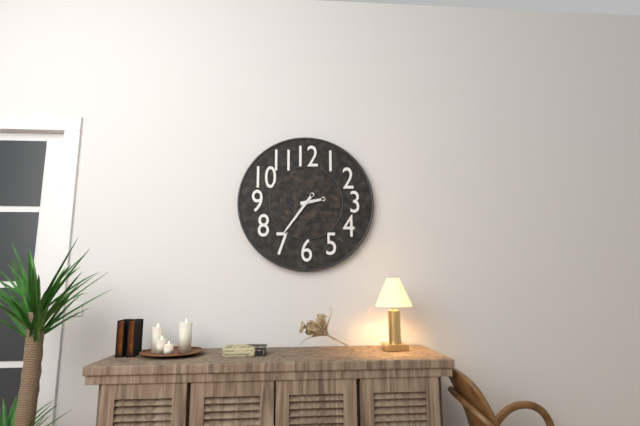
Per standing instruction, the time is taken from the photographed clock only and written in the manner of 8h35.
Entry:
2h36
